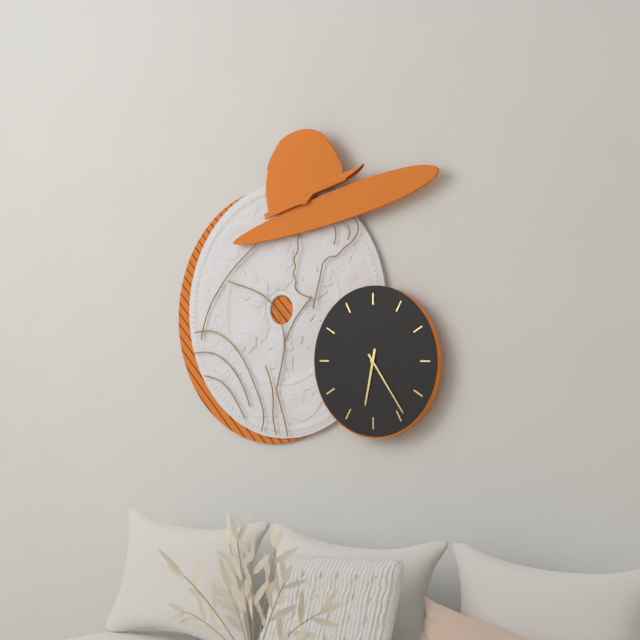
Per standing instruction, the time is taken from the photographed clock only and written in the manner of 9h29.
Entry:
6h24
